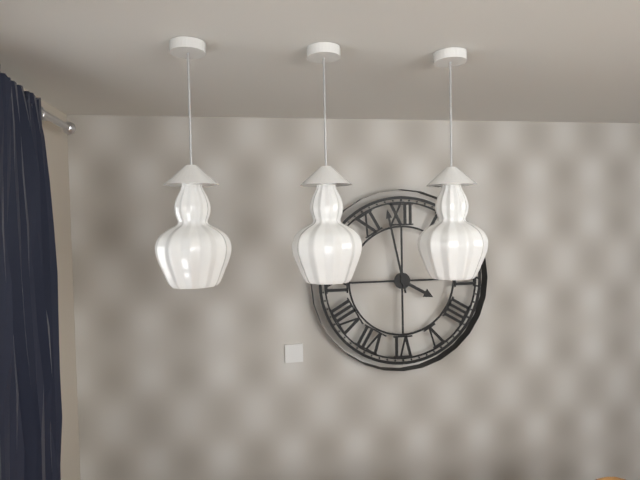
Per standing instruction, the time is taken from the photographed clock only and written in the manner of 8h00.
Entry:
3h58
